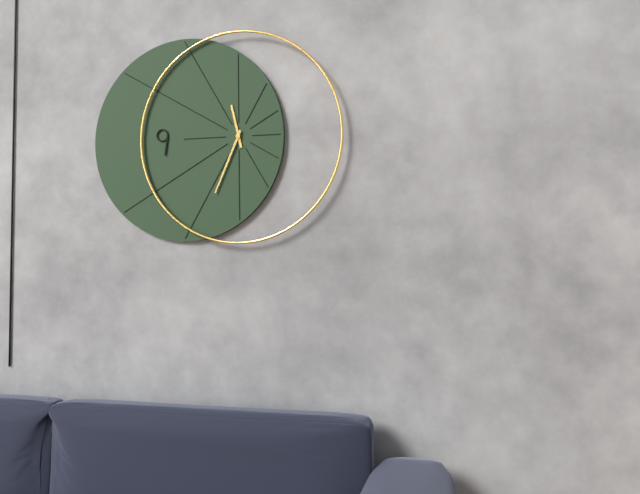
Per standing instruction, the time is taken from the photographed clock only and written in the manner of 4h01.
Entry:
11h34
